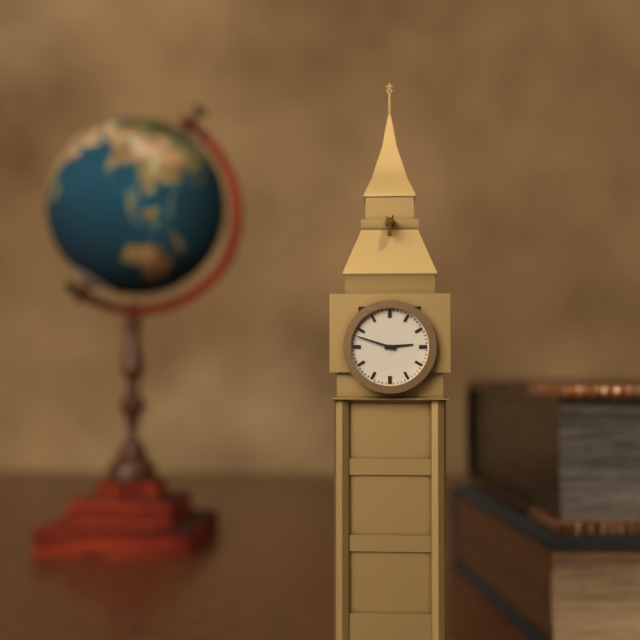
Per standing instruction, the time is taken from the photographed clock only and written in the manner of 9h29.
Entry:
2h48
